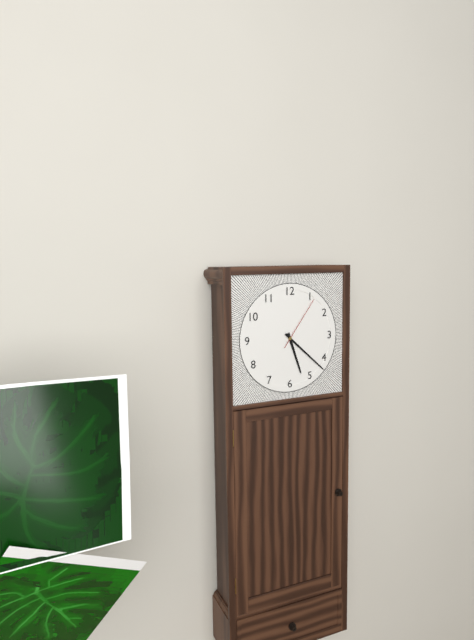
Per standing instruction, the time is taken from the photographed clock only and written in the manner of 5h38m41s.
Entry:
5h22m06s
